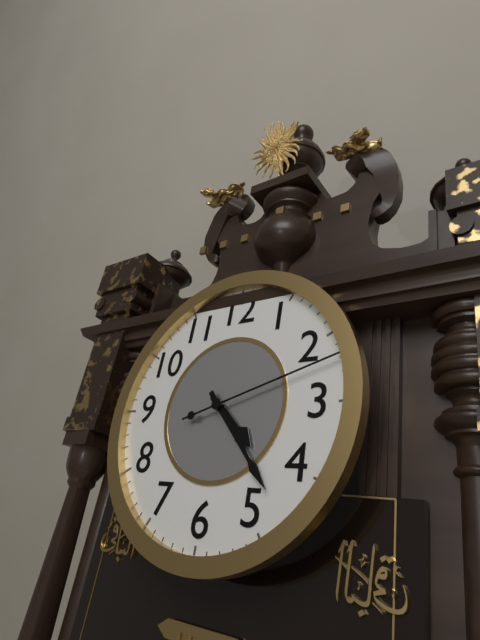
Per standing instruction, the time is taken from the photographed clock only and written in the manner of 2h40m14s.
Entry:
4h23m12s
